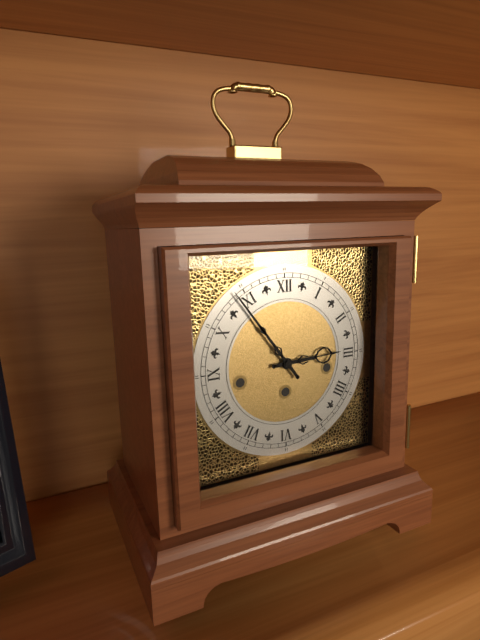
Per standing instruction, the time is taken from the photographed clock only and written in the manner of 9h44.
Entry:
2h54
